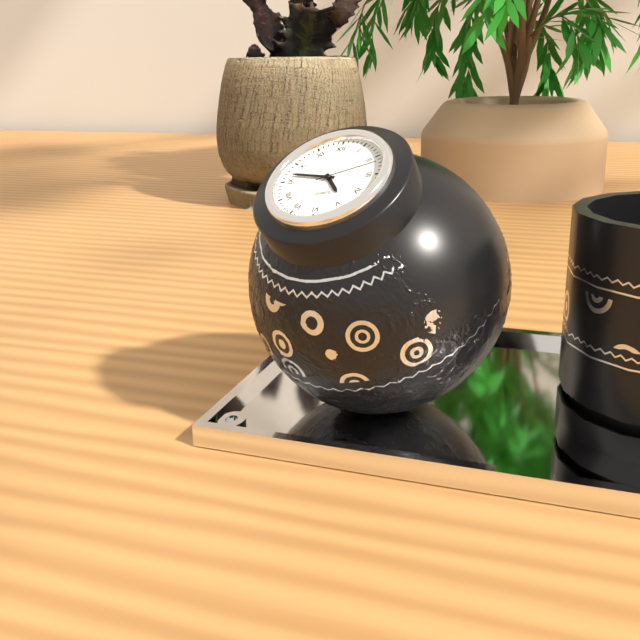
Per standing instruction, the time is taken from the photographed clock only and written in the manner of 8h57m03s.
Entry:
4h47m12s
